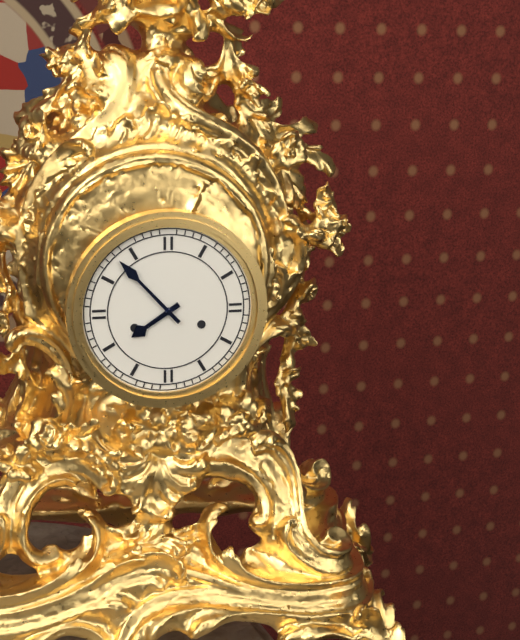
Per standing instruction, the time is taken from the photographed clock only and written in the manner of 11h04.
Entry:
7h53
